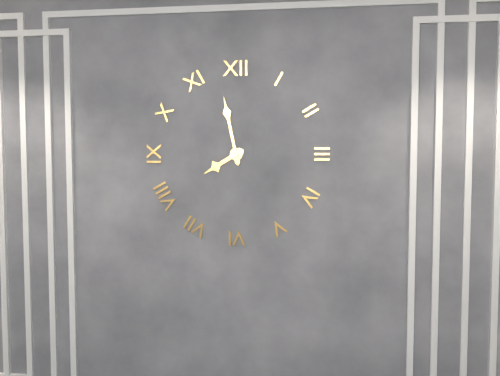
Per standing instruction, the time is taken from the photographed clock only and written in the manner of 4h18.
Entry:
7h58
